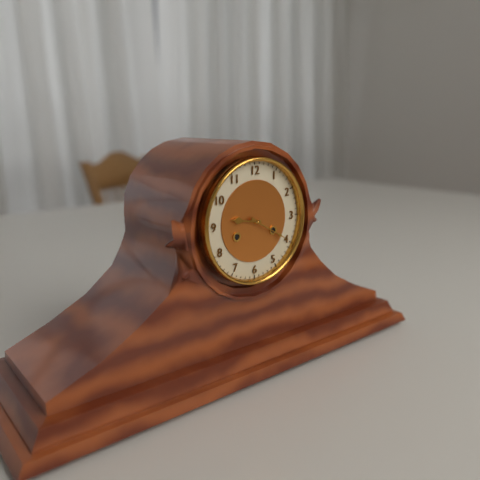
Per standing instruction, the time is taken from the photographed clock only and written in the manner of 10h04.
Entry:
9h20
